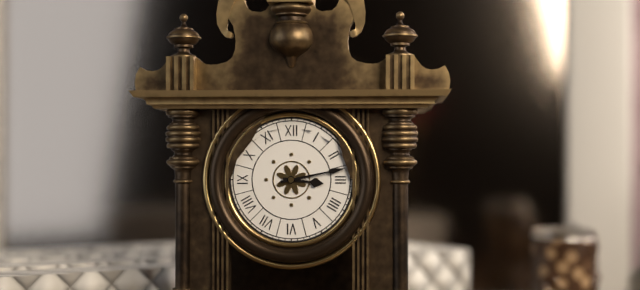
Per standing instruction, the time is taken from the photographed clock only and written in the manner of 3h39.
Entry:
3h13
